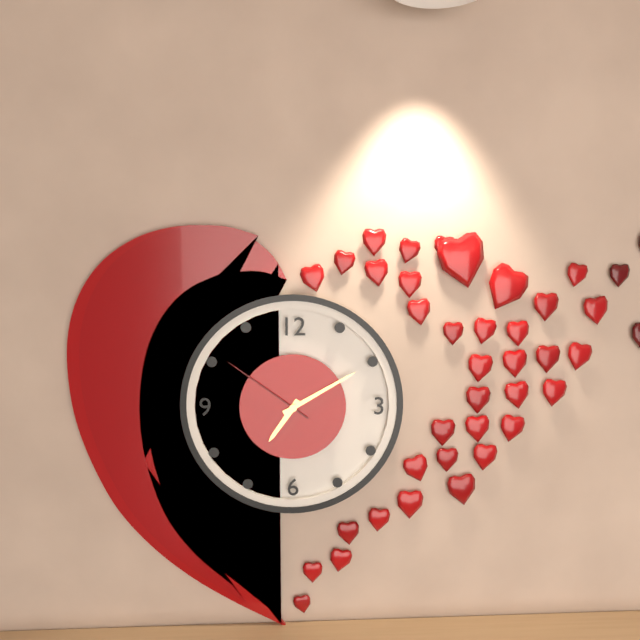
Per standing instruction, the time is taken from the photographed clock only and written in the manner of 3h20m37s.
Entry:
7h10m51s
